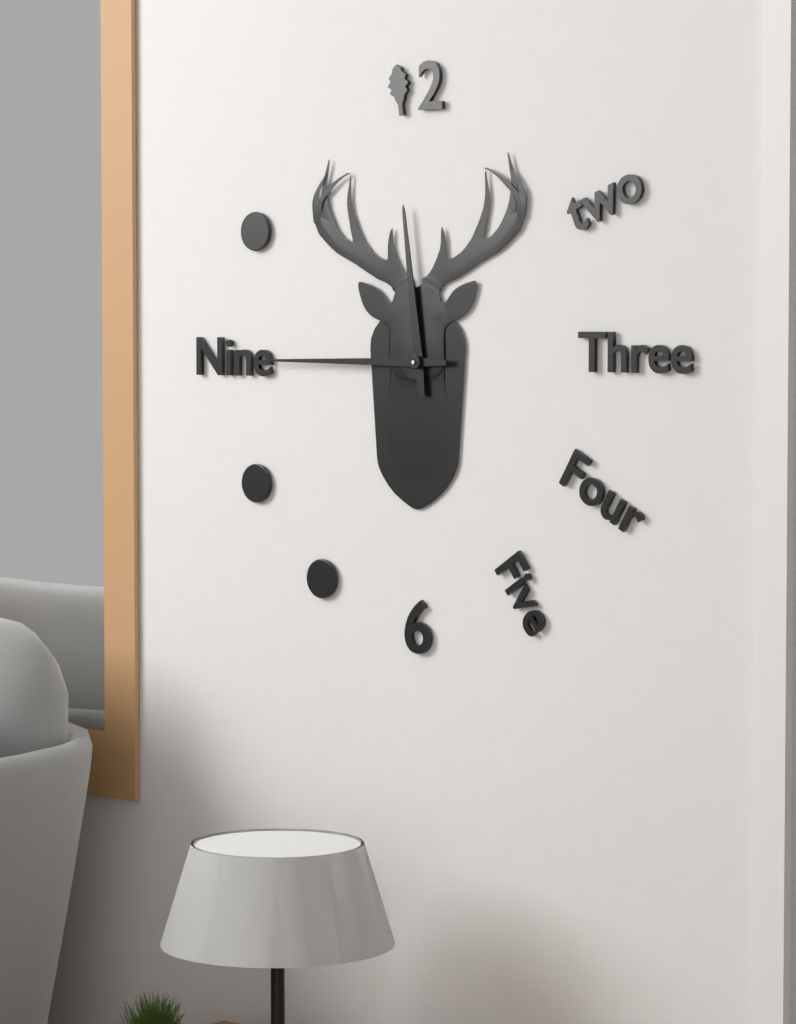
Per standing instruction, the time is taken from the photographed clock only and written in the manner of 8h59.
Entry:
11h45
